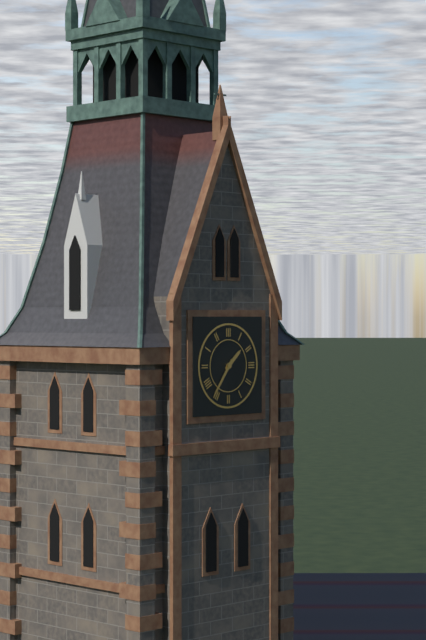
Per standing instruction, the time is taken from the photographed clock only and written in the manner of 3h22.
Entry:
1h36
